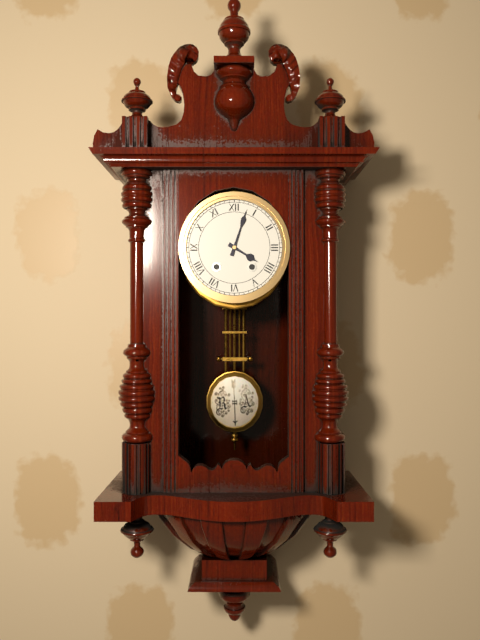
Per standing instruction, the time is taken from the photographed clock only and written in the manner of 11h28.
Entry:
4h03
